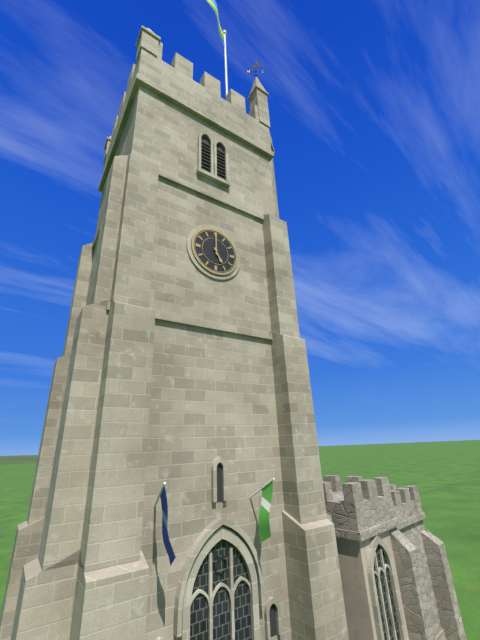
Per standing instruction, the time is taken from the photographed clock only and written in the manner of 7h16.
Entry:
5h00
